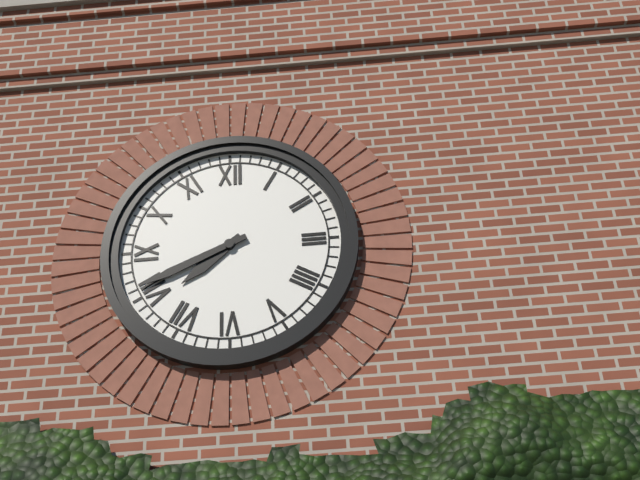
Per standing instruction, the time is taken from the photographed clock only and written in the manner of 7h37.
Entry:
7h41
